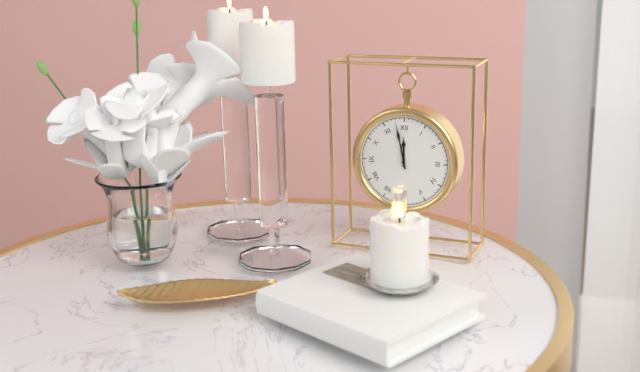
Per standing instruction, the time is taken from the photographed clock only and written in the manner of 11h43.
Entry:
11h58
